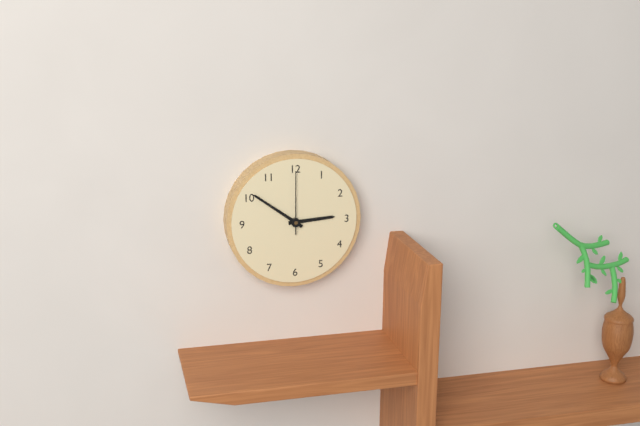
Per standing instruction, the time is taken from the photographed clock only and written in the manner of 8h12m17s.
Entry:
2h51m00s
